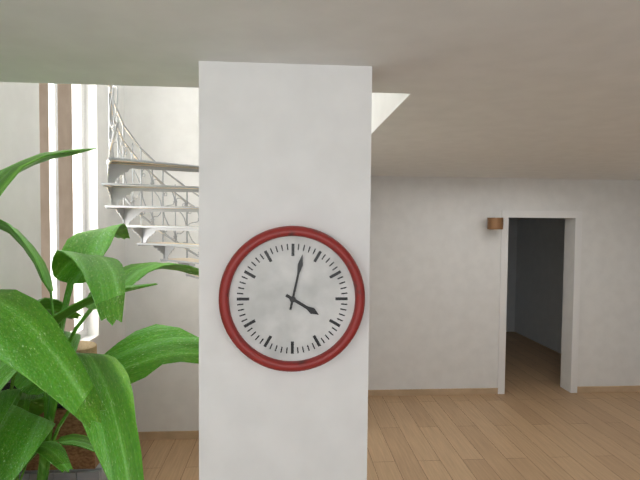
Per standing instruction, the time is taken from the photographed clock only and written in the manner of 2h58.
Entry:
4h02
